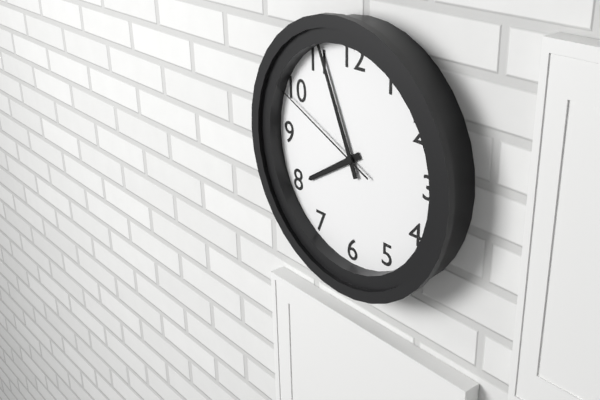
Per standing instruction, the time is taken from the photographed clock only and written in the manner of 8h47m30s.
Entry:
7h56m49s
